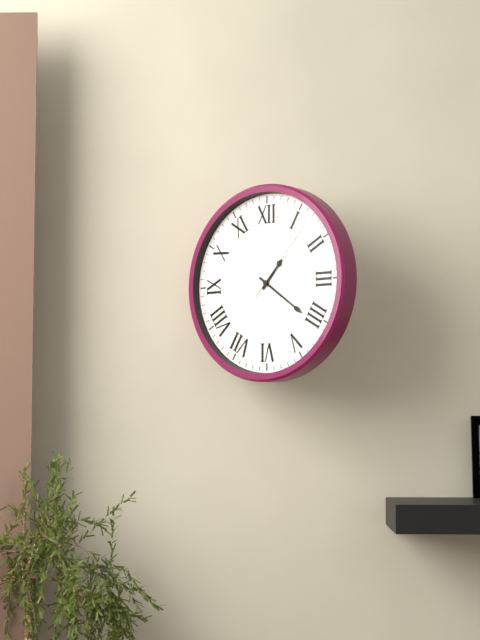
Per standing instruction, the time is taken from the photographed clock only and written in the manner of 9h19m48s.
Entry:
1h21m07s
